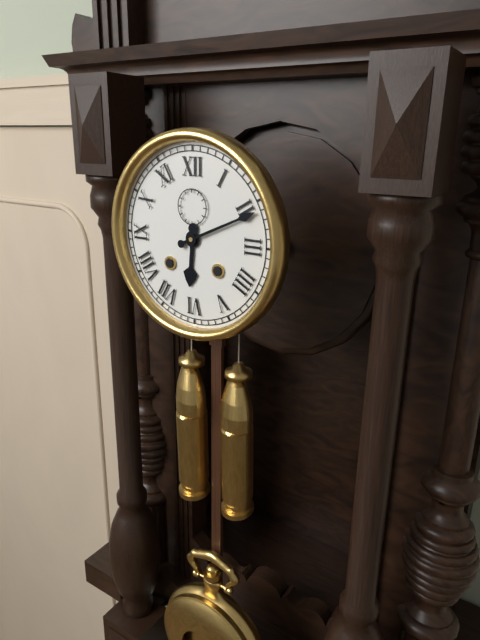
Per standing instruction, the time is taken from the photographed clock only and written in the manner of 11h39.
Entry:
6h11
